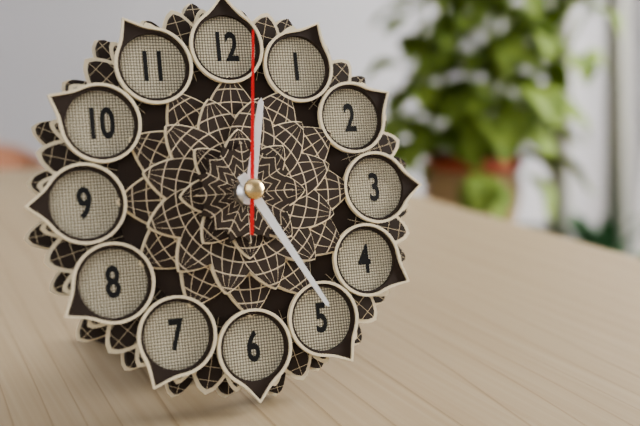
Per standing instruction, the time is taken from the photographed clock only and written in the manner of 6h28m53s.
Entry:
12h25m01s
